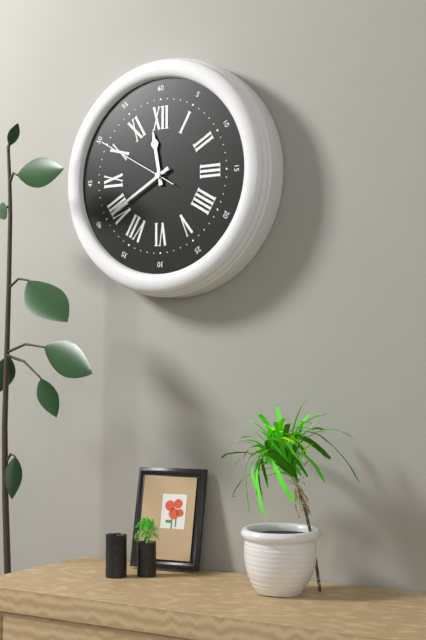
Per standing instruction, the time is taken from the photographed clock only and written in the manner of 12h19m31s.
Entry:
11h40m50s
